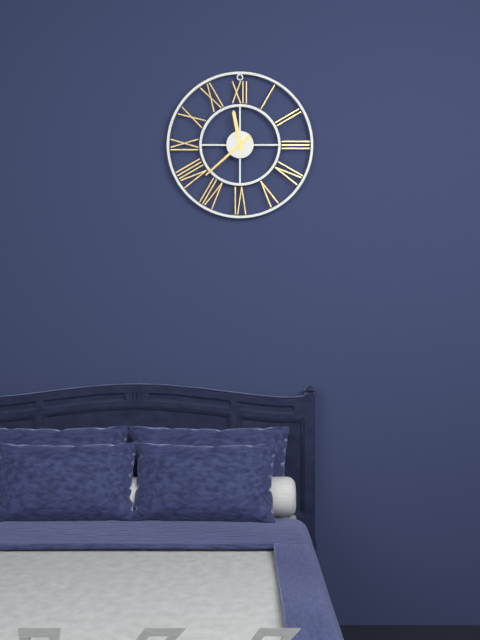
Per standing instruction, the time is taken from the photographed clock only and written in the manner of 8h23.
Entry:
11h38
